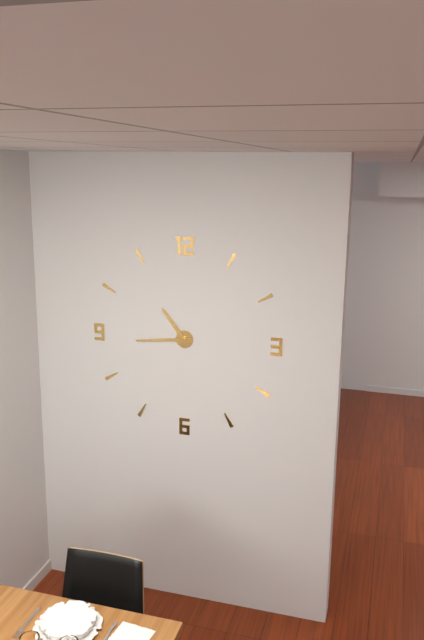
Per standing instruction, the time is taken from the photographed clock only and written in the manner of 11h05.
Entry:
10h44
